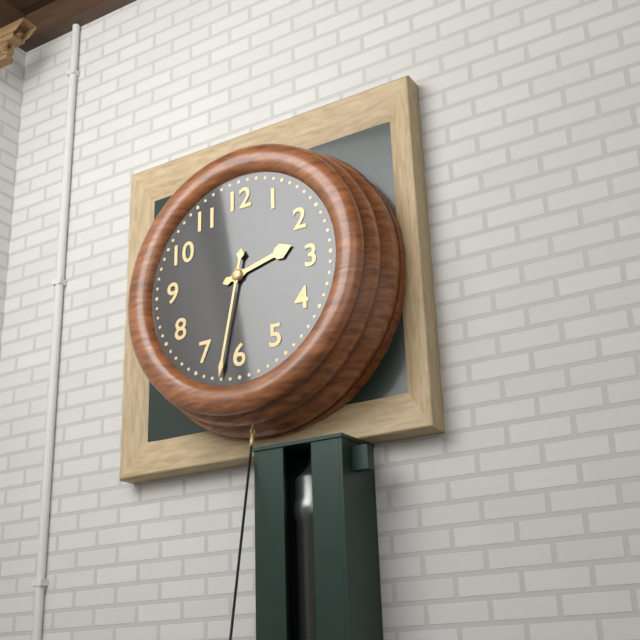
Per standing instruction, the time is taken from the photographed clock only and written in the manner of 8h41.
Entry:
2h32
